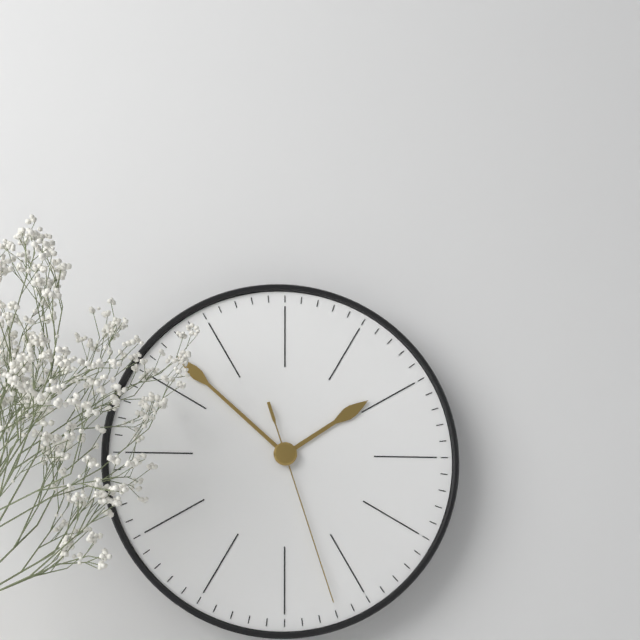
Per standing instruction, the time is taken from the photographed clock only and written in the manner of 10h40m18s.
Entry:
1h52m27s
